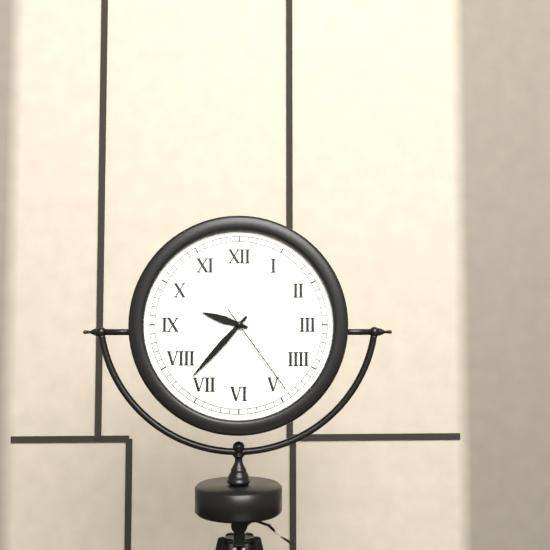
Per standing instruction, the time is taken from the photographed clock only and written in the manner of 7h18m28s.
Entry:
9h37m24s
